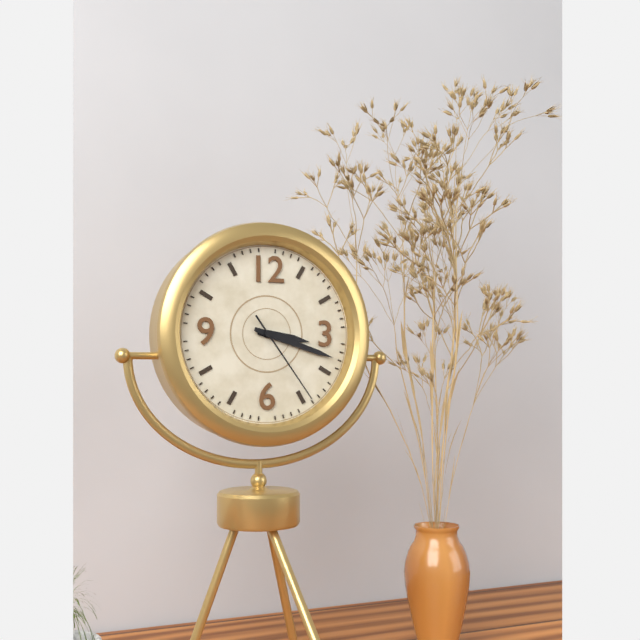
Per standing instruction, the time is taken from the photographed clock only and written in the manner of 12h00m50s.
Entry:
3h18m24s
